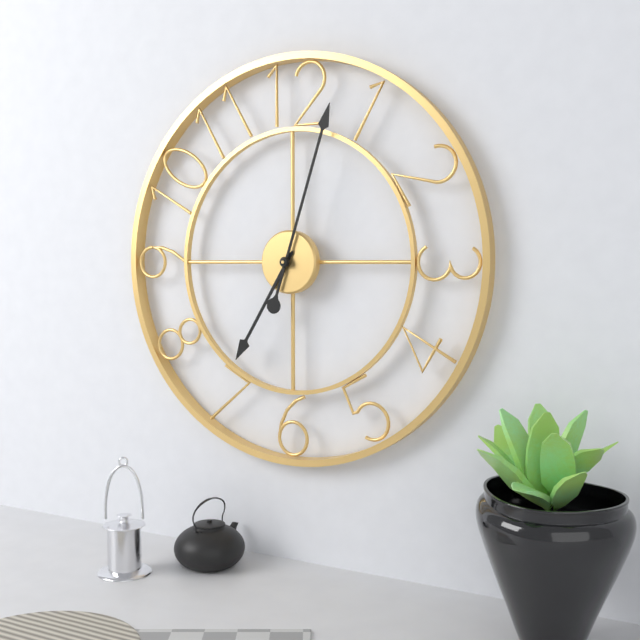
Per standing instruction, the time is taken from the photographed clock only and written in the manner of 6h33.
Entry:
7h03
